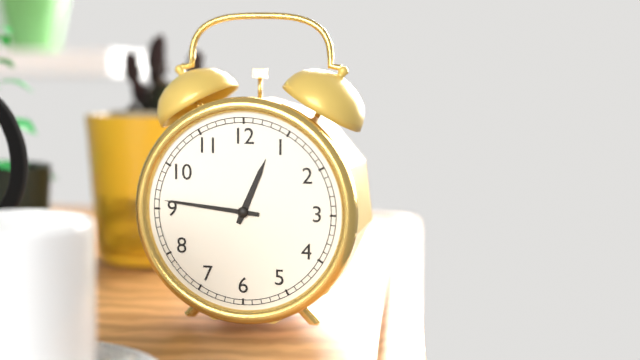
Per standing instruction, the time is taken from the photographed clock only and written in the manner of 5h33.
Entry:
12h46
